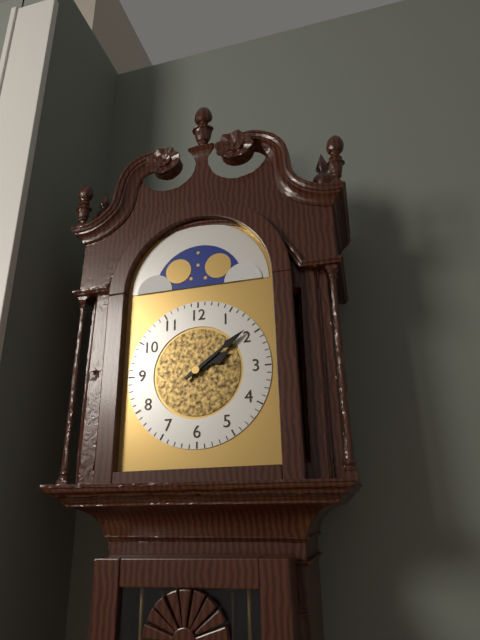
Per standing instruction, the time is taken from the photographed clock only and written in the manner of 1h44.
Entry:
2h09
